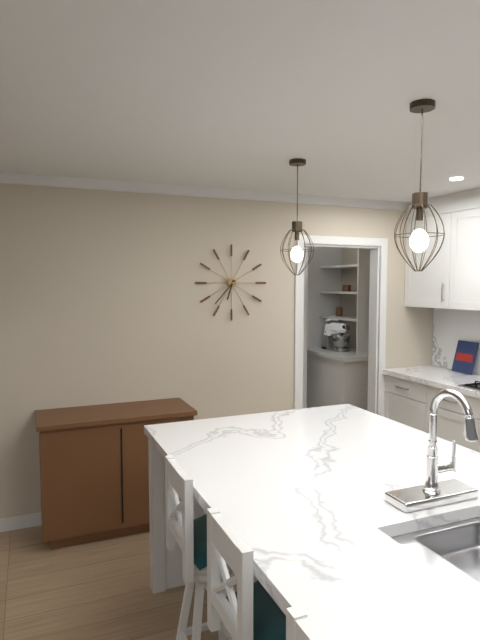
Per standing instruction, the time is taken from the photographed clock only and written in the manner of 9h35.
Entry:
6h37
